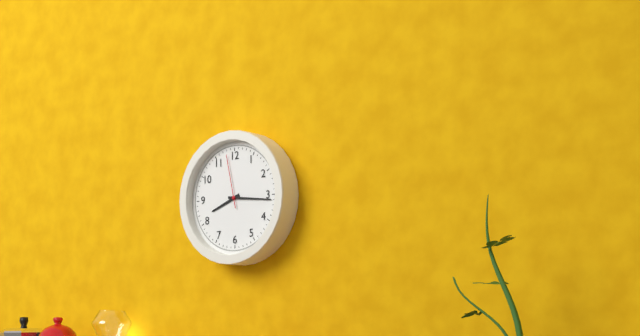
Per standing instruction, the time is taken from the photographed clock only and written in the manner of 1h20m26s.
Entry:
8h16m58s
